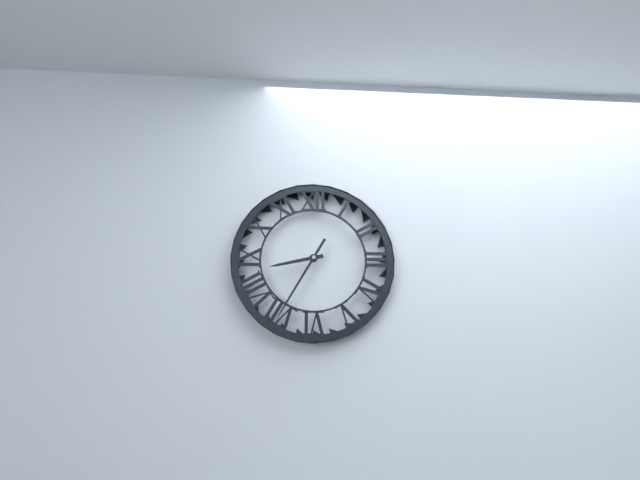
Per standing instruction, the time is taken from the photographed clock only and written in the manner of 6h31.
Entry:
8h35
